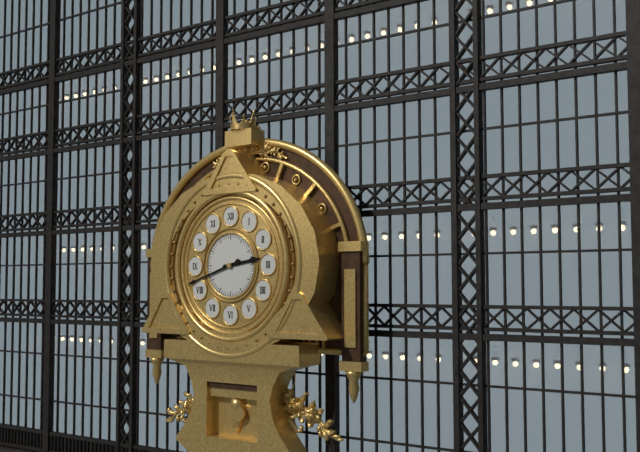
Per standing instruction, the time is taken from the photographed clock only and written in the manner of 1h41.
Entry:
2h42
